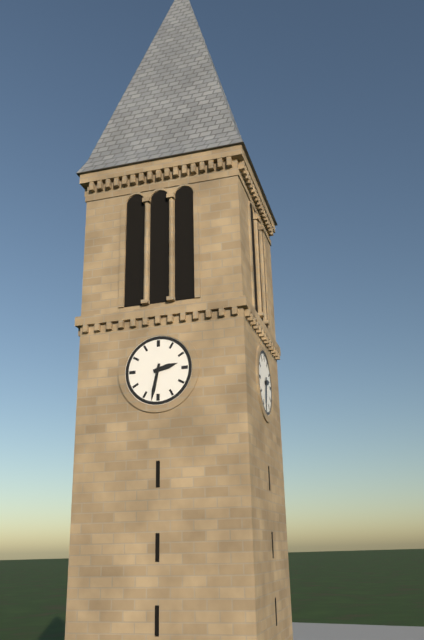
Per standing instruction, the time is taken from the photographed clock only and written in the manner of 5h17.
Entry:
2h32
